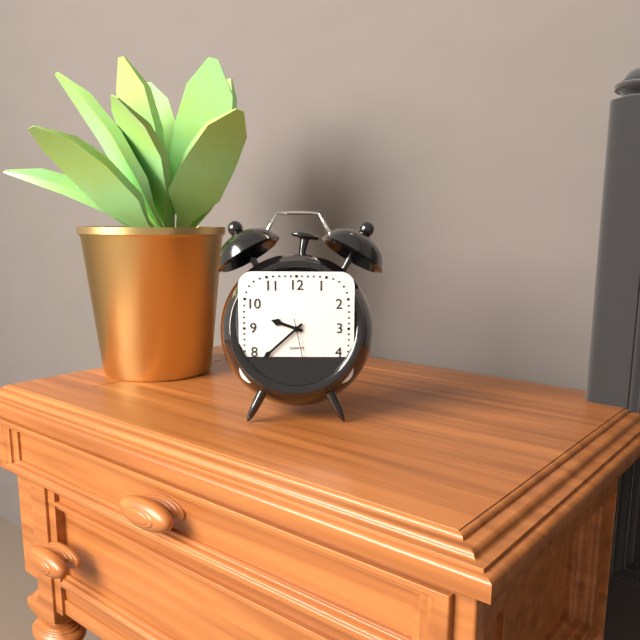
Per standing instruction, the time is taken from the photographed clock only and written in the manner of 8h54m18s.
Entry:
9h38m28s
